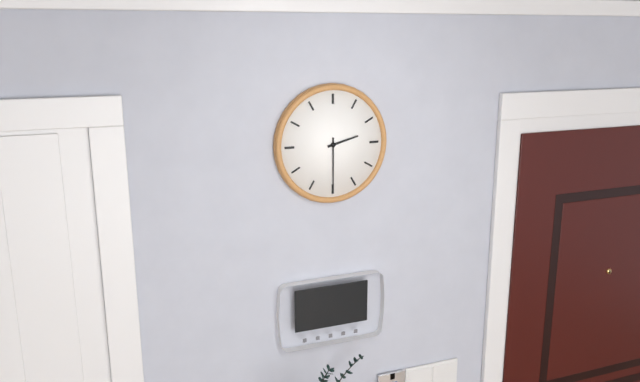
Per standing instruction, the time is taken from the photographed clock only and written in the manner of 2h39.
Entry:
2h30
